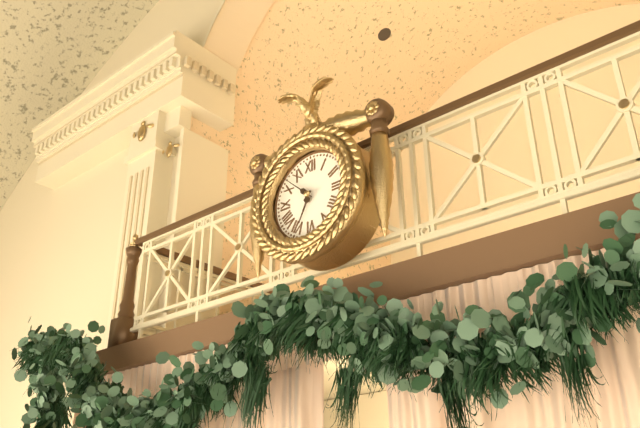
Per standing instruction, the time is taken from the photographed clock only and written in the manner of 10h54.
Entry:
6h52
